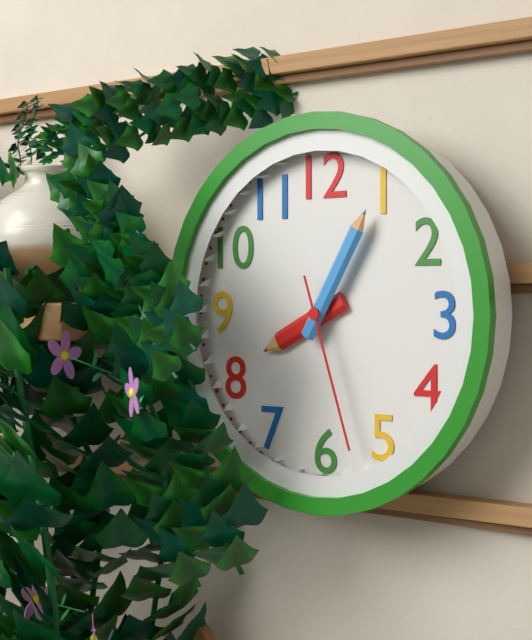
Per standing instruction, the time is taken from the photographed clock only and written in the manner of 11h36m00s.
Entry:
8h05m27s
